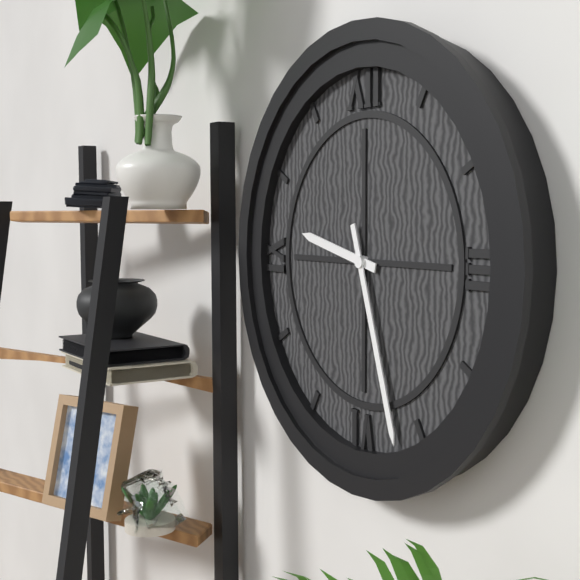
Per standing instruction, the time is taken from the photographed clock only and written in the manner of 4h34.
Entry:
9h27
